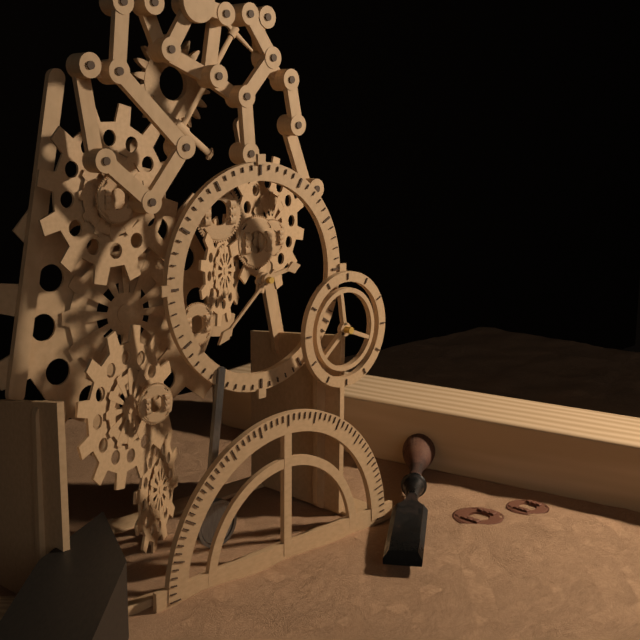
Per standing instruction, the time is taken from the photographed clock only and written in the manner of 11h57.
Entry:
2h38
